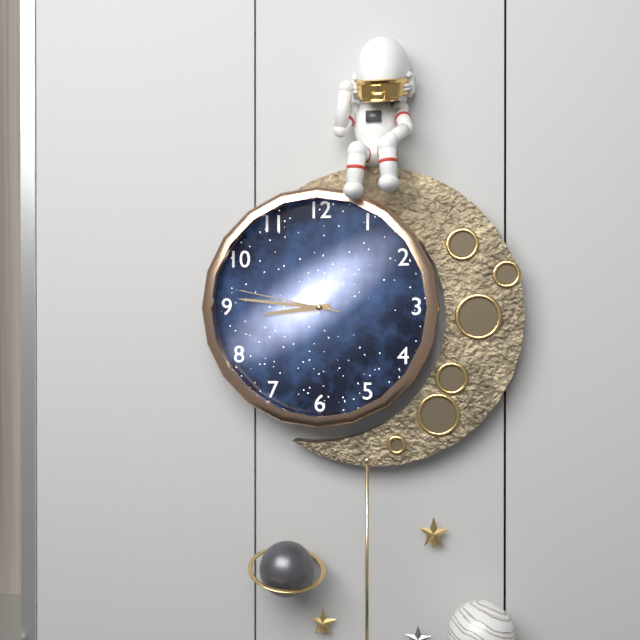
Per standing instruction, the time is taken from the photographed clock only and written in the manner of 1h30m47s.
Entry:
8h46m47s
